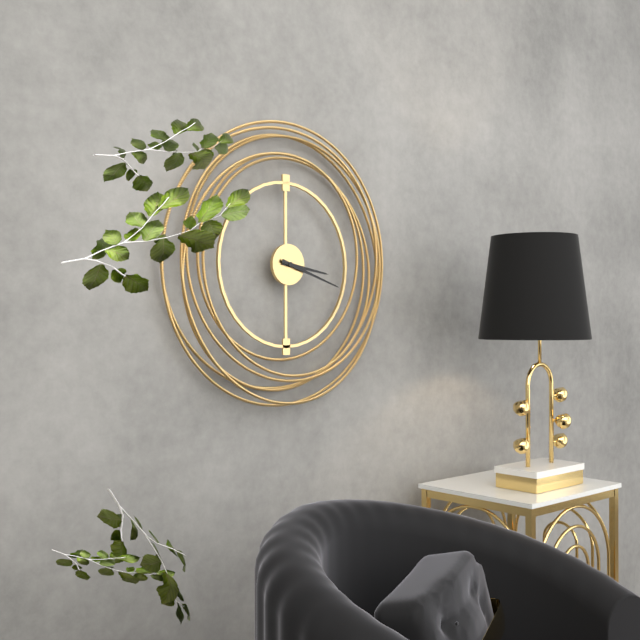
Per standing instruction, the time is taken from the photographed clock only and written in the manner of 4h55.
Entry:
3h18
